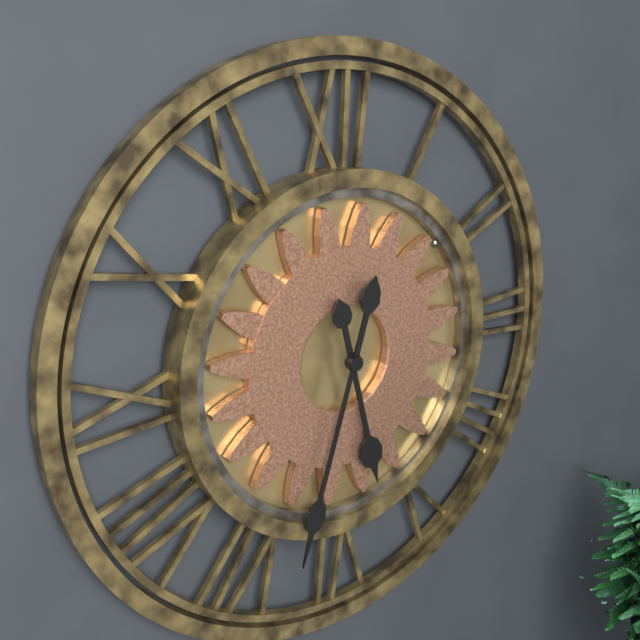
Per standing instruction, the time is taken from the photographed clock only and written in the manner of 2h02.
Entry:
5h33
